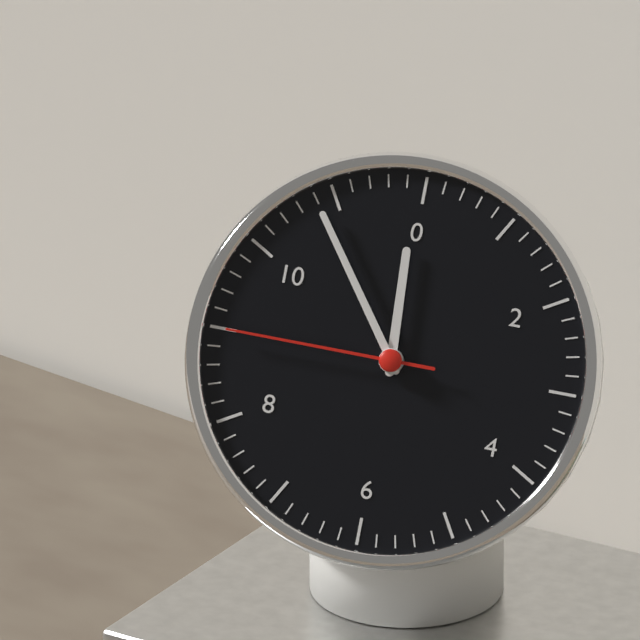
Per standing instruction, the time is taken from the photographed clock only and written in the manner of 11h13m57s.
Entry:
11h54m45s
